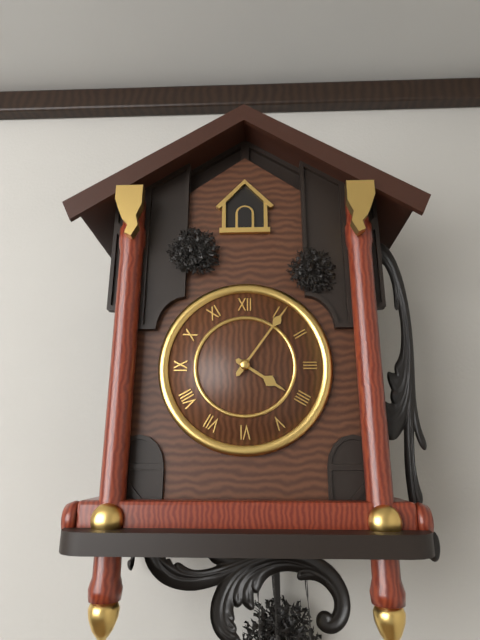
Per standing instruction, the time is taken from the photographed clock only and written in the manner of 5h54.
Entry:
4h06
